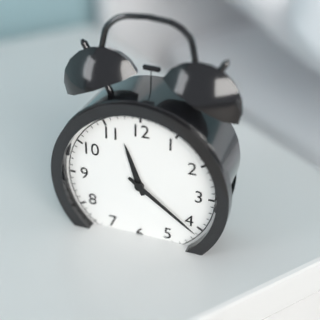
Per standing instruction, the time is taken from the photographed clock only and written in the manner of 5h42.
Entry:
11h21
